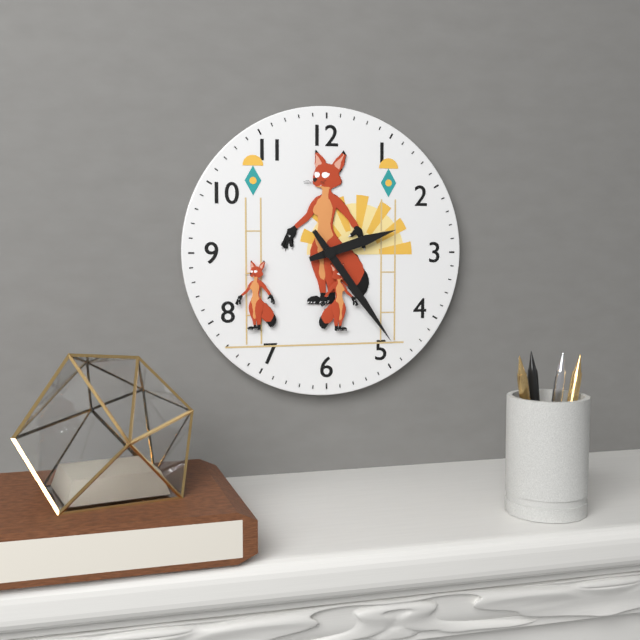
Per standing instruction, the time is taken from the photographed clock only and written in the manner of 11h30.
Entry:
2h24
